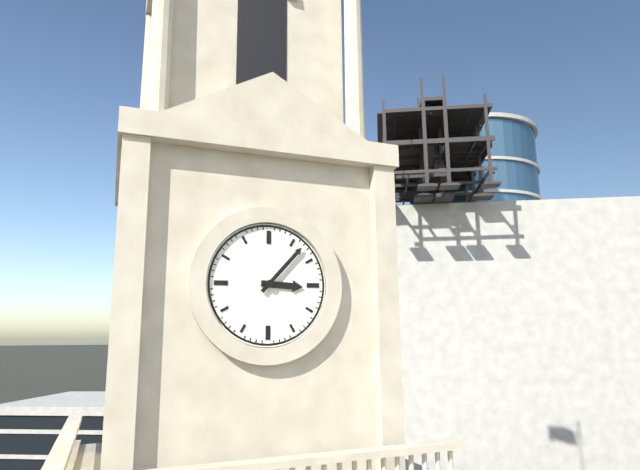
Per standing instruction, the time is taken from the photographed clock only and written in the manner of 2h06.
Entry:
3h07
